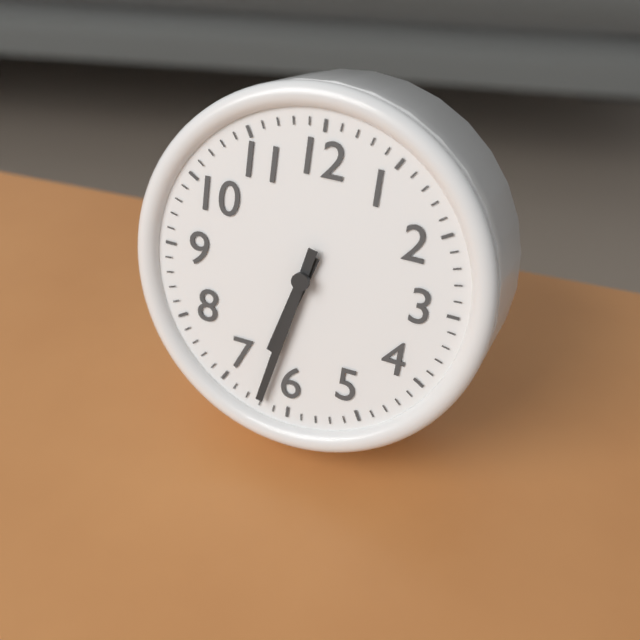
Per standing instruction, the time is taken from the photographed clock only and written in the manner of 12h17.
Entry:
6h32
